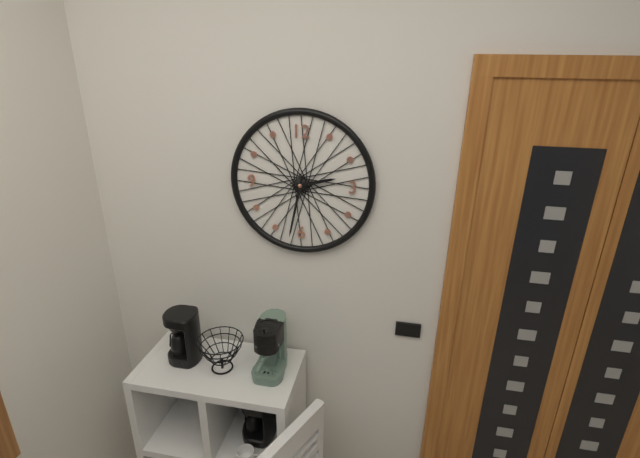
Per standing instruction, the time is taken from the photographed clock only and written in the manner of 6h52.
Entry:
2h32
